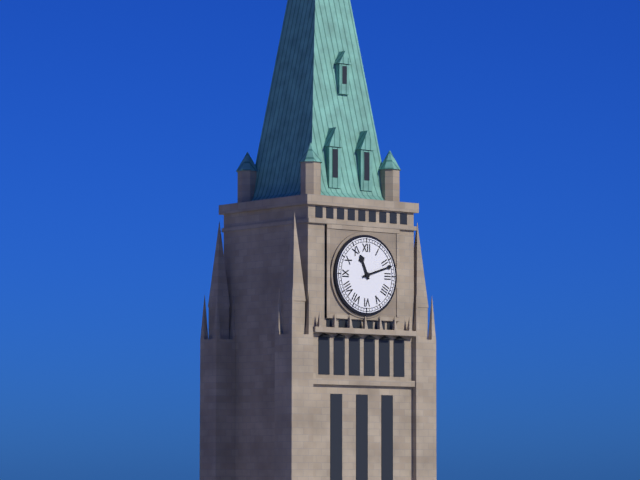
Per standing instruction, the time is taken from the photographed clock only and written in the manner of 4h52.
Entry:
11h12
